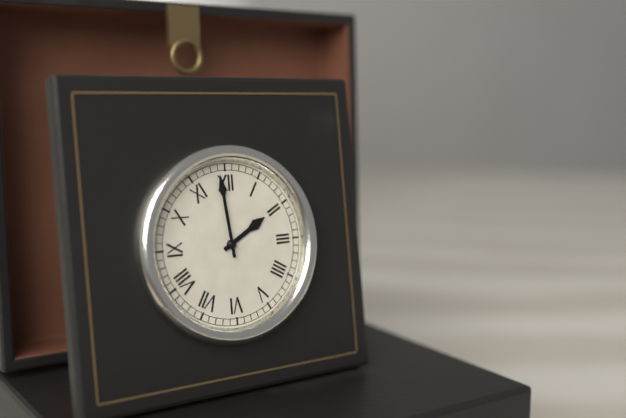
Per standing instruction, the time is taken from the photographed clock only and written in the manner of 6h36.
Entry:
1h59
